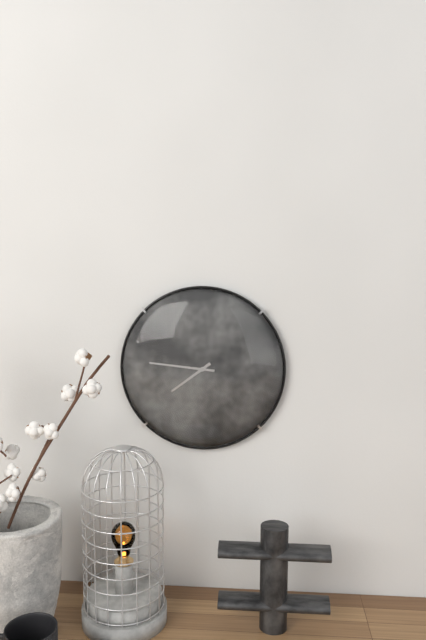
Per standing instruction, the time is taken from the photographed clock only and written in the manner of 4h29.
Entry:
7h46
